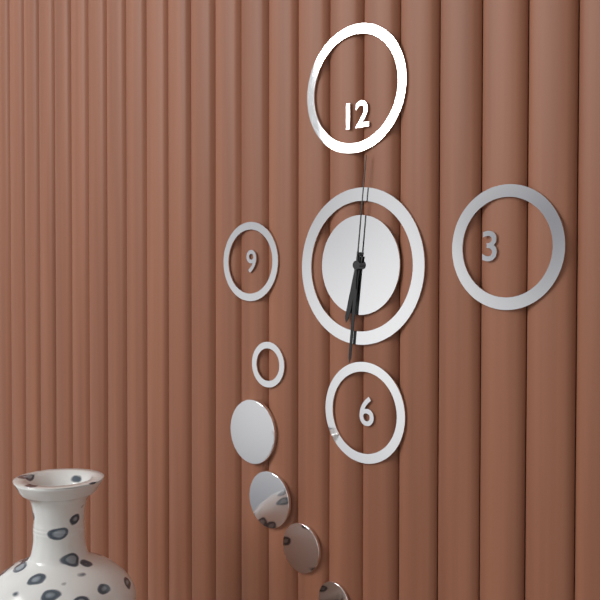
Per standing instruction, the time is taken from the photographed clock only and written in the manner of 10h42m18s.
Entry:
6h31m01s
